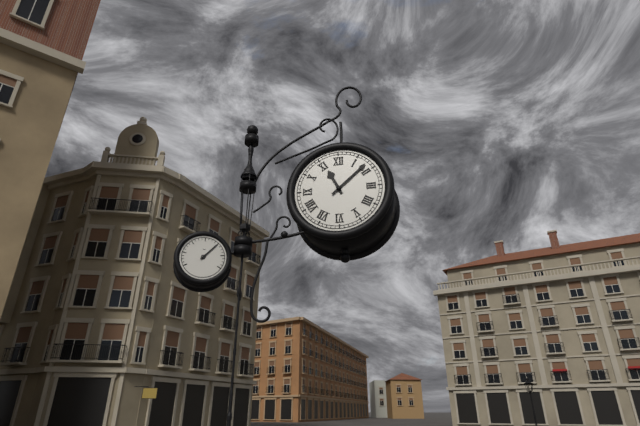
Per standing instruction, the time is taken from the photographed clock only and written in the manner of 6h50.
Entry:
11h08
